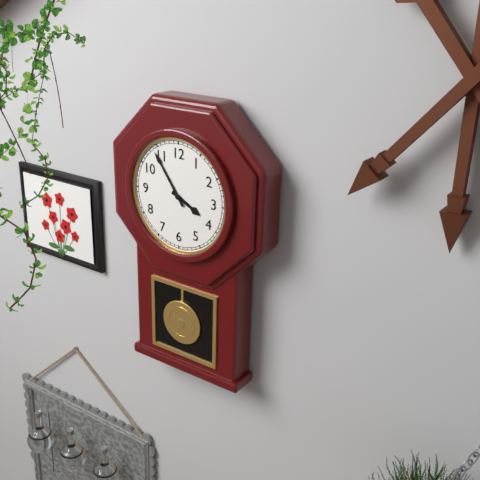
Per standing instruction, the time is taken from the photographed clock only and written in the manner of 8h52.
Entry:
3h54
